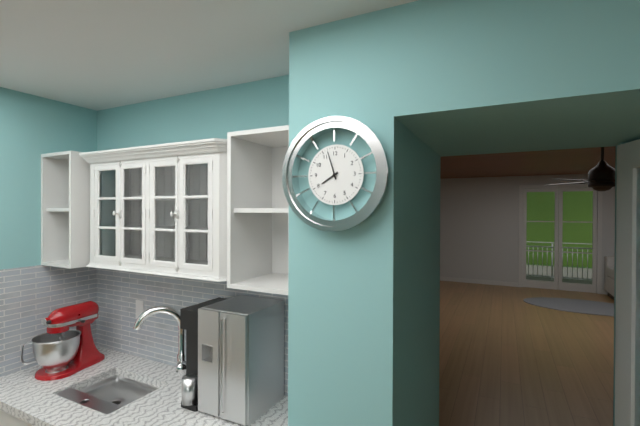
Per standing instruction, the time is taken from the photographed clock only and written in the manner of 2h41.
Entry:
7h57
